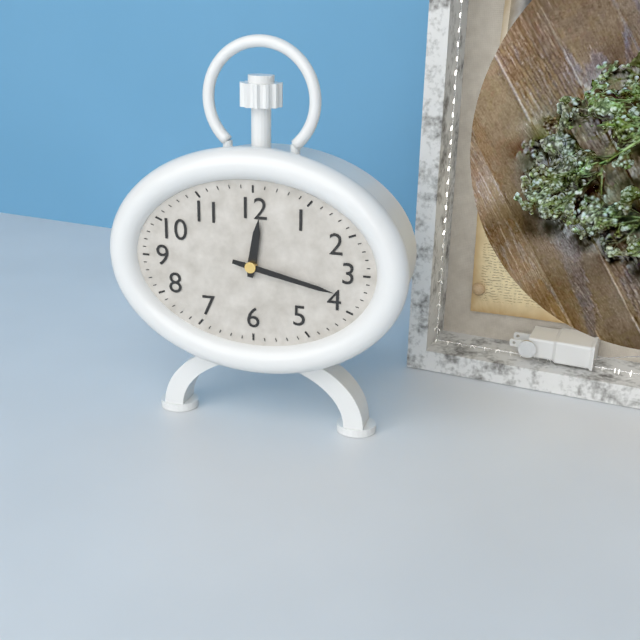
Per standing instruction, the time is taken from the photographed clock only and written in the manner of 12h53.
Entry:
12h17
